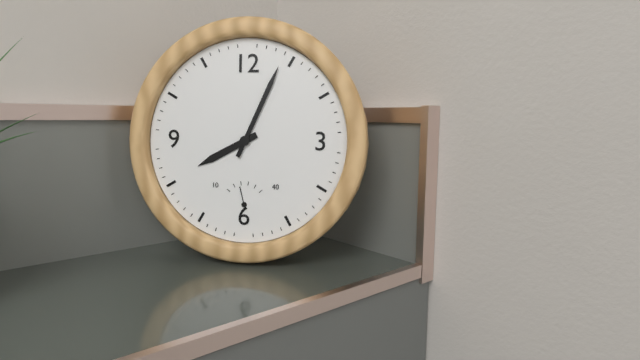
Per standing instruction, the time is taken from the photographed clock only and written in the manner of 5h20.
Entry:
8h04
